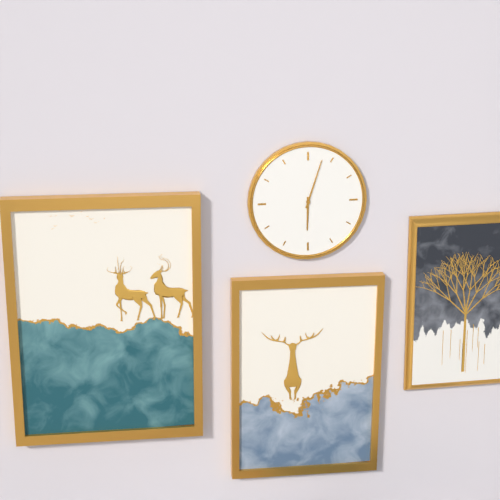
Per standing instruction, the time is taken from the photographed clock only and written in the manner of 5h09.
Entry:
6h03
